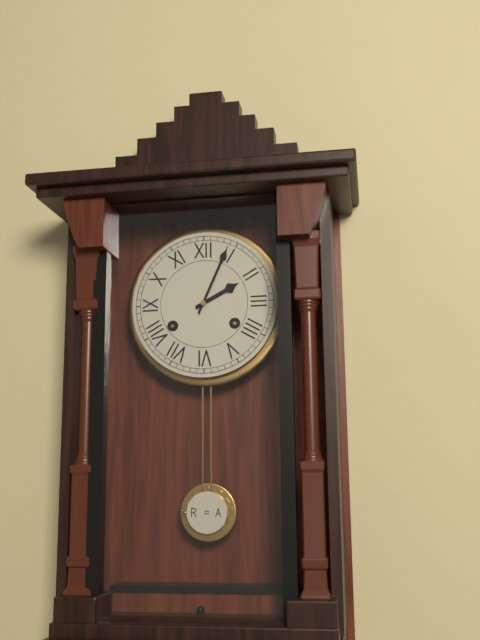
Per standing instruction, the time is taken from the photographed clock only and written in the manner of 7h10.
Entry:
2h04
